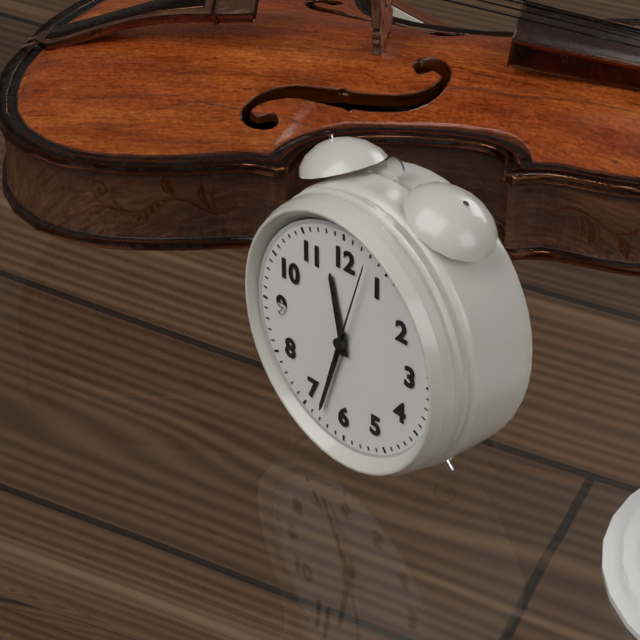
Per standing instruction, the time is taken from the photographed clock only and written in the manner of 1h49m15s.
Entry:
11h33m03s
